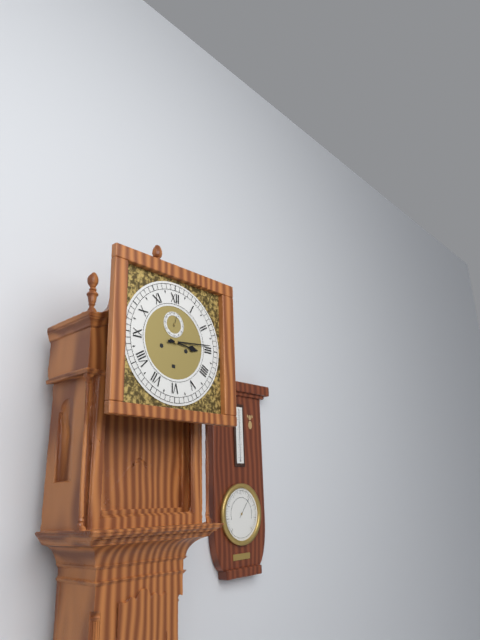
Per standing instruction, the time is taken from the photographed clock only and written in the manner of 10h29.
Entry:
3h14
